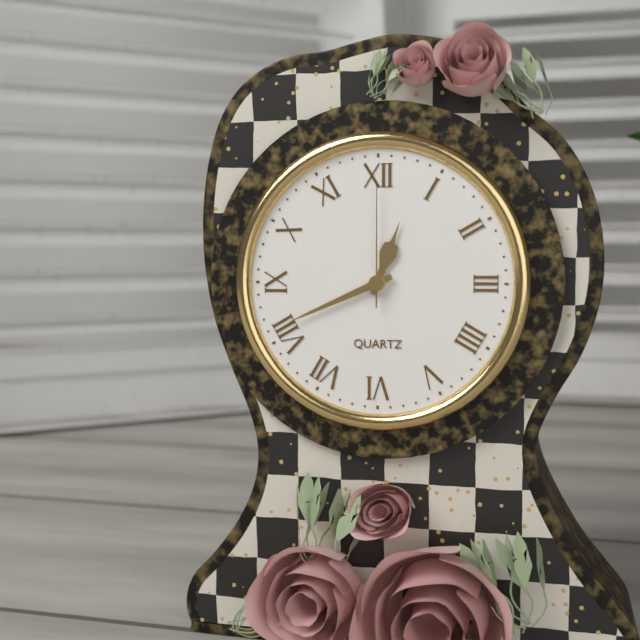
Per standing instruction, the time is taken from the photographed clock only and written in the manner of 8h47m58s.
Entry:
12h41m00s
